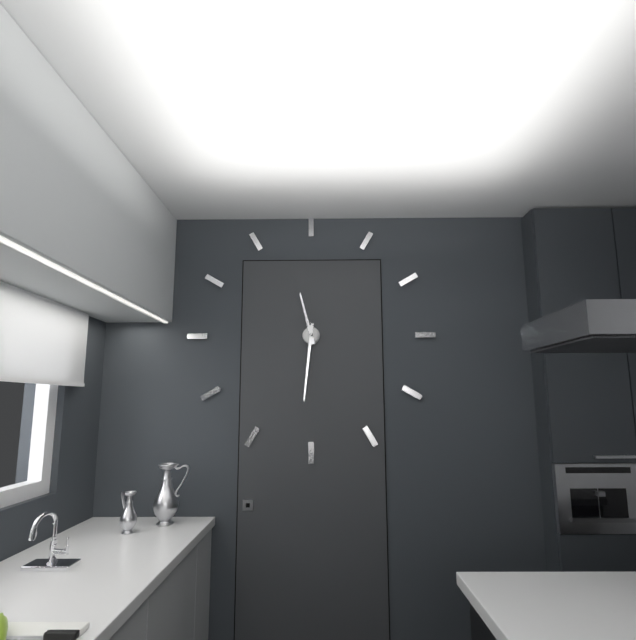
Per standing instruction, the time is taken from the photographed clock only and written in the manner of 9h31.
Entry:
11h31
